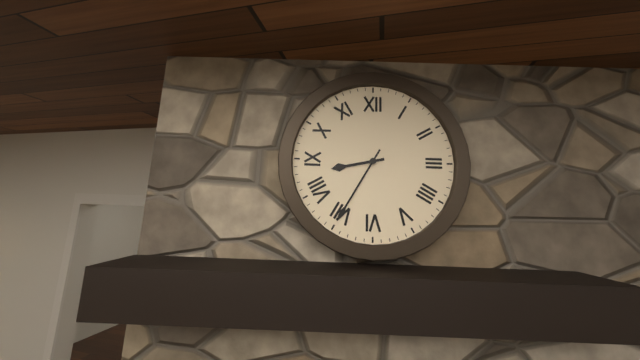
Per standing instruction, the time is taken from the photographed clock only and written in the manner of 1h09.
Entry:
8h35
